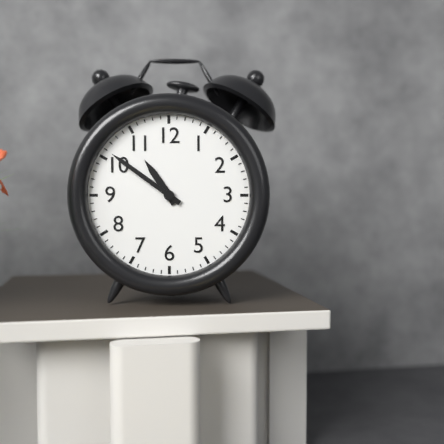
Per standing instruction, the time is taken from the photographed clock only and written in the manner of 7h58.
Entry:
10h51
